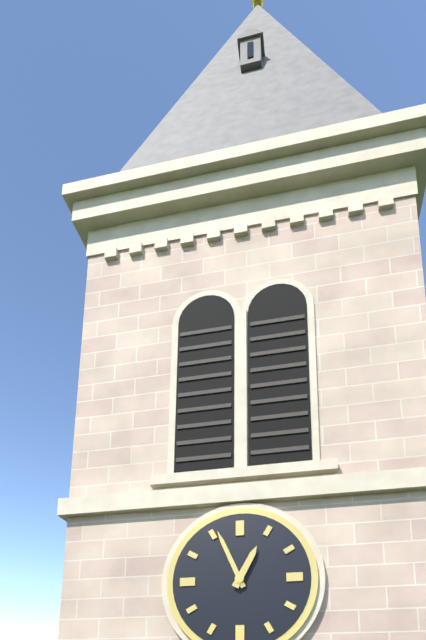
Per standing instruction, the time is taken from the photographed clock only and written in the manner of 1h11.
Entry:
12h56
